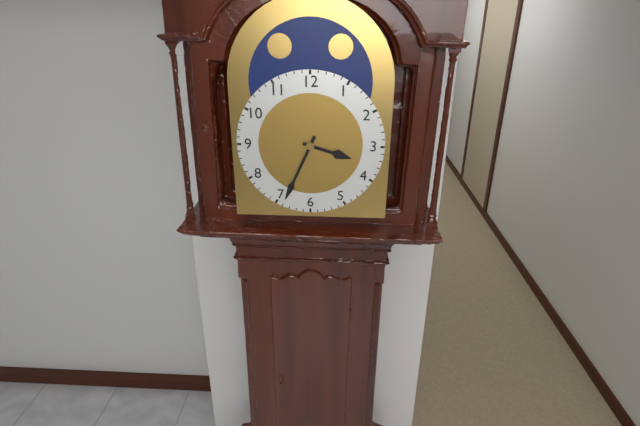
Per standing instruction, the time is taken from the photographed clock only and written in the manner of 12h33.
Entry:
3h34
